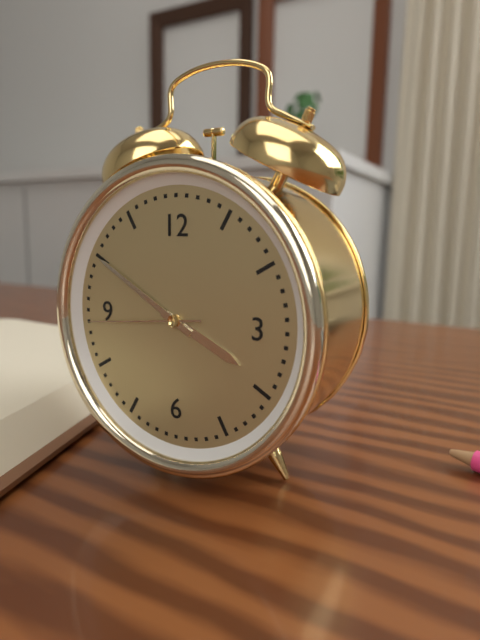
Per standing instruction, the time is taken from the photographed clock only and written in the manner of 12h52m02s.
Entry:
3h50m44s
